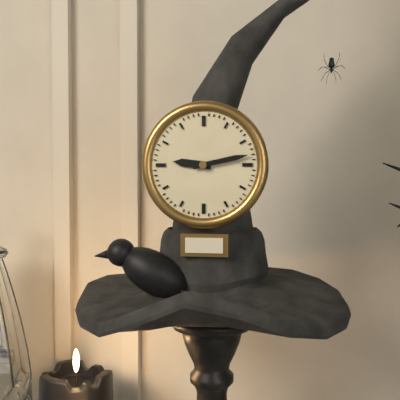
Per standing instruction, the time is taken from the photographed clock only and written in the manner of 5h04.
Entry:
9h13
